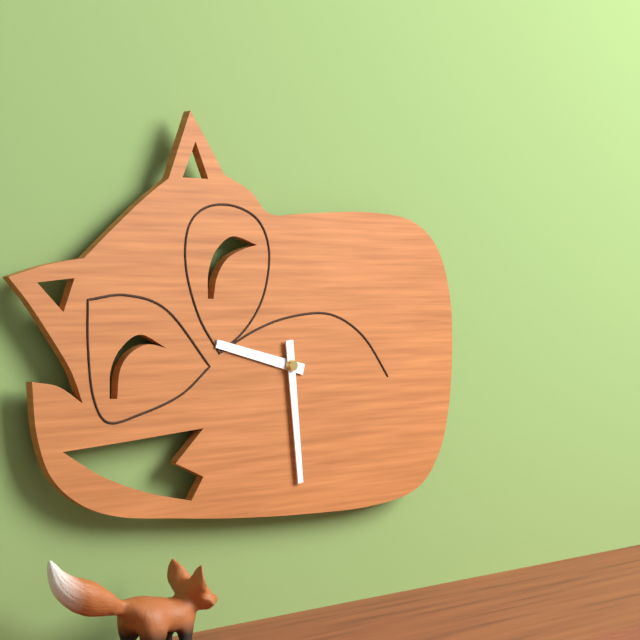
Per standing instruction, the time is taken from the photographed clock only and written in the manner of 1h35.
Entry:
9h29
